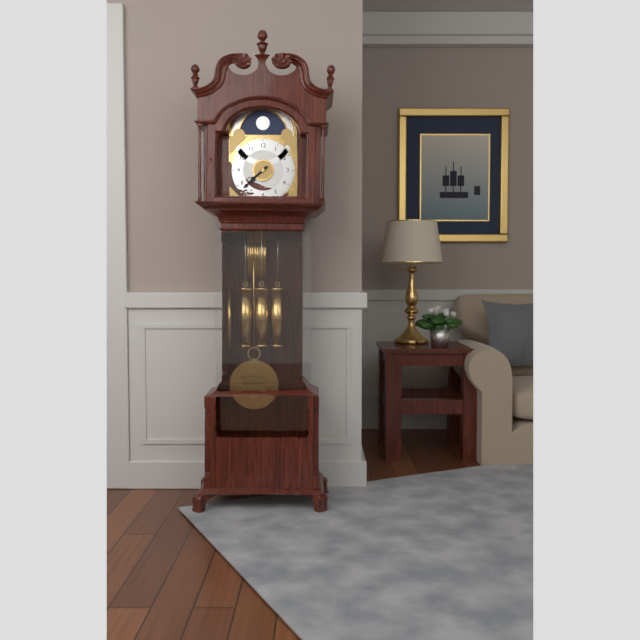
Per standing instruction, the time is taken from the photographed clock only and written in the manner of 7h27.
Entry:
7h38
